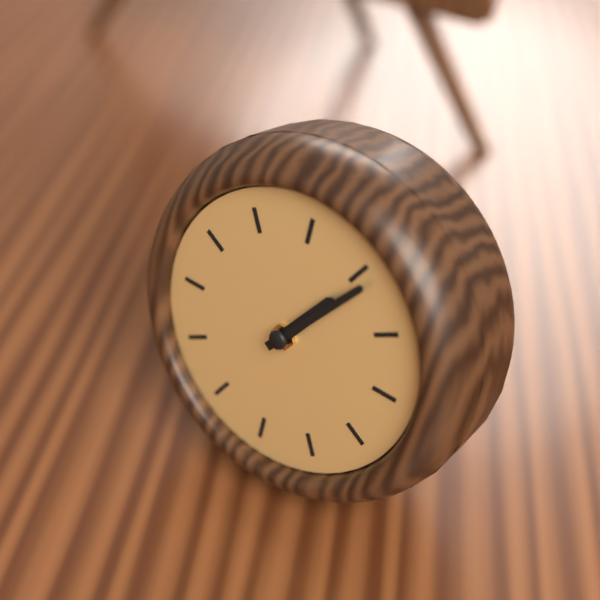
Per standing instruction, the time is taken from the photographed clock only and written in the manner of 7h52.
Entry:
1h06
